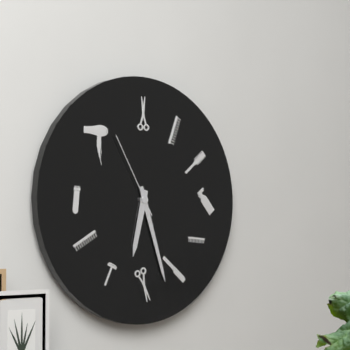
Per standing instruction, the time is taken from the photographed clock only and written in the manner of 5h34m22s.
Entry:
6h27m55s
